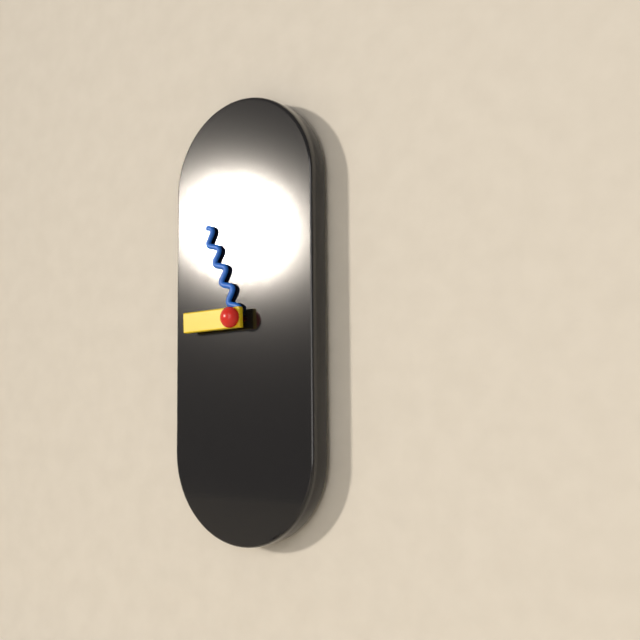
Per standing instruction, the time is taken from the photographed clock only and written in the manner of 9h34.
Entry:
8h56
